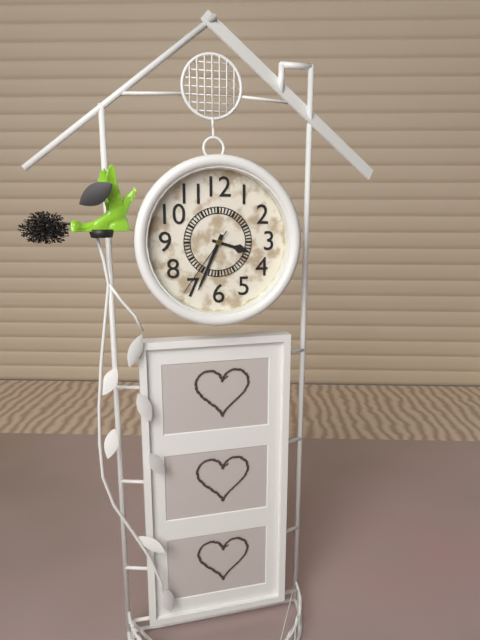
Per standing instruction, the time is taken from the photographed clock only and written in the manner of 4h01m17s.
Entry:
3h34m36s
